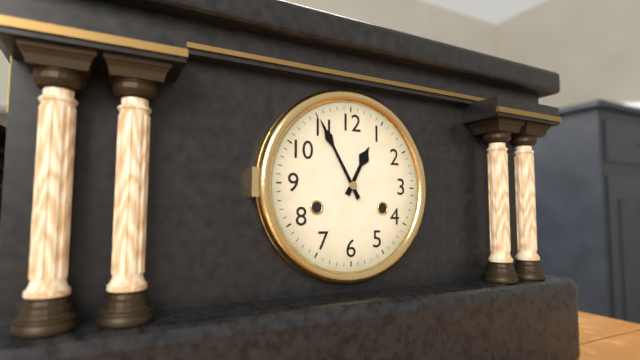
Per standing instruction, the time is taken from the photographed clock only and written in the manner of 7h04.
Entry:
12h55
